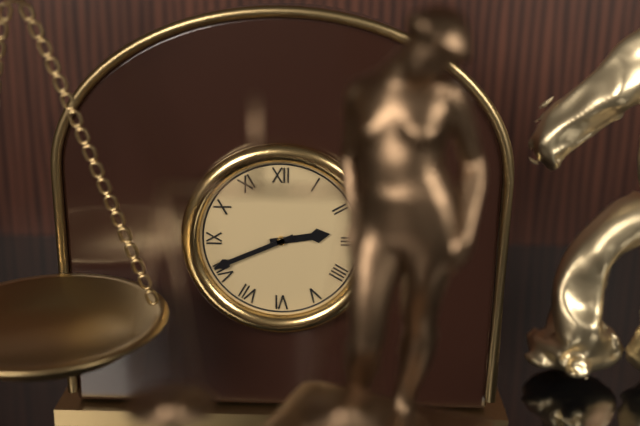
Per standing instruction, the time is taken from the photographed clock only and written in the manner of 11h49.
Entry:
2h41
